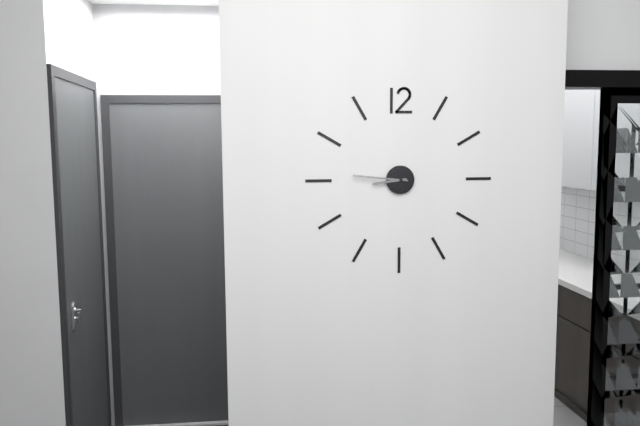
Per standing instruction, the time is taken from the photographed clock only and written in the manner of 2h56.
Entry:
8h46
